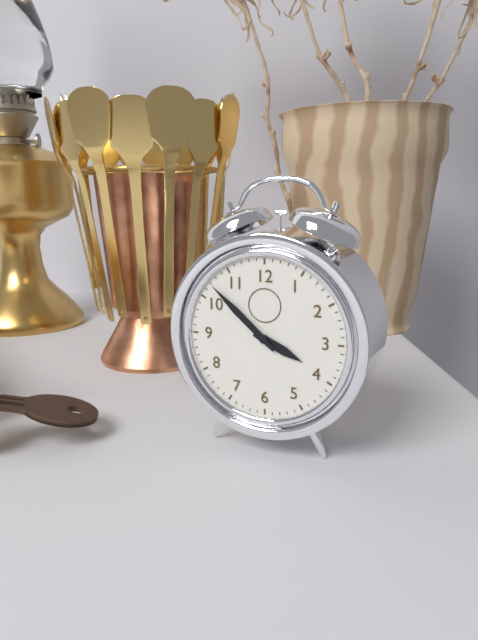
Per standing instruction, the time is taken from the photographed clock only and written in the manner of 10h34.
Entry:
3h52
